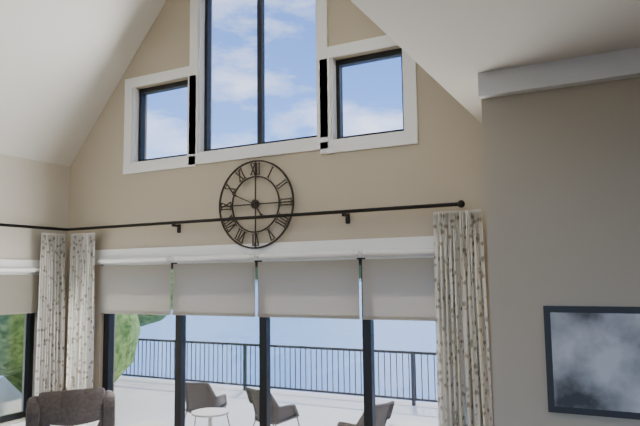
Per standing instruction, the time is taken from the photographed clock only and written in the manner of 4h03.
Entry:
4h49
